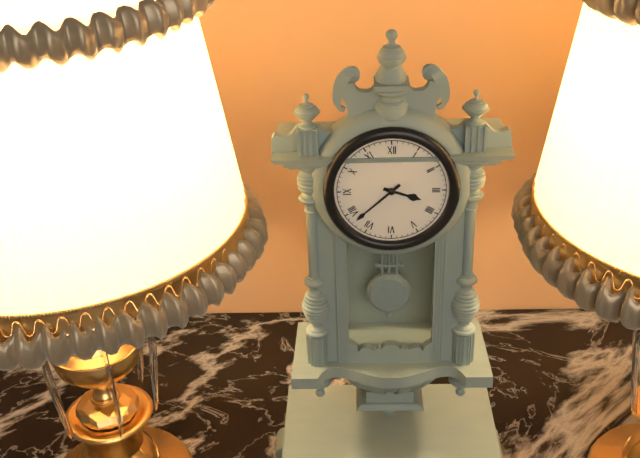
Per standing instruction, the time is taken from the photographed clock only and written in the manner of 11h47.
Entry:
3h38
